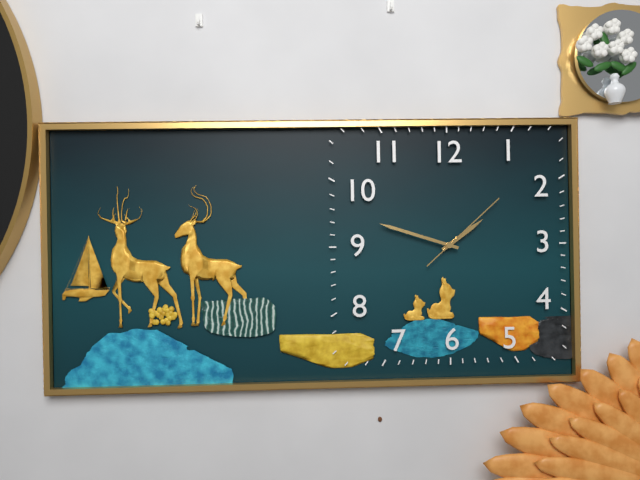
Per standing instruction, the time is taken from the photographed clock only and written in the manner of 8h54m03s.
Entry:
1h48m08s
